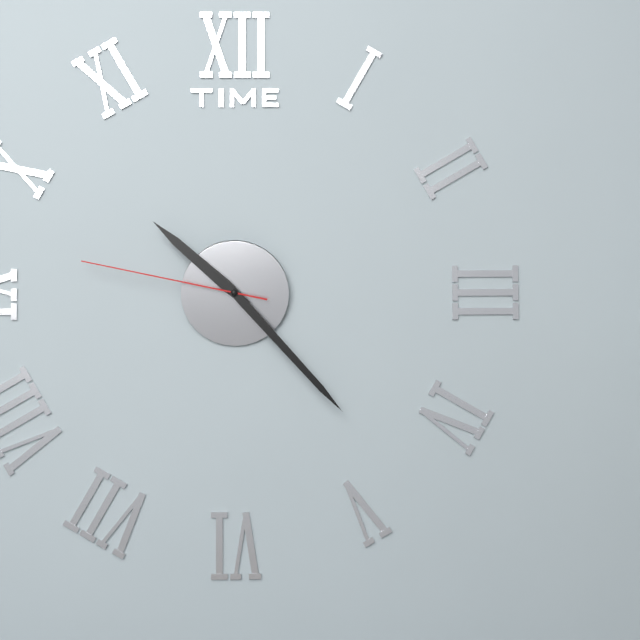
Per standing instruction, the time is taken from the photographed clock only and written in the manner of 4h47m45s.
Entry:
10h23m47s
